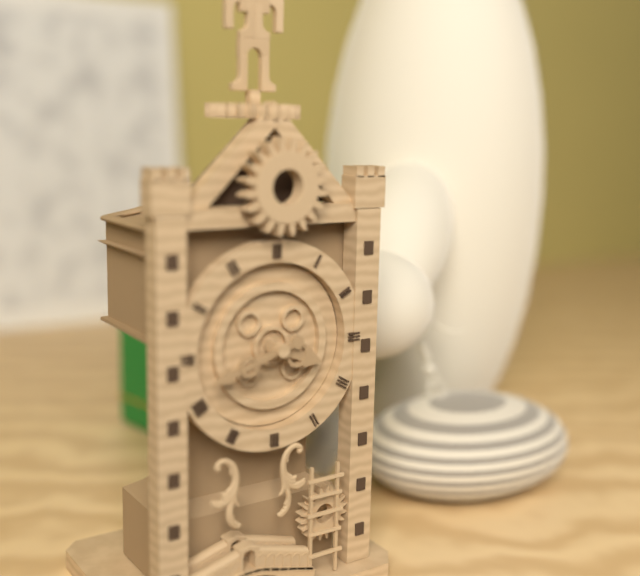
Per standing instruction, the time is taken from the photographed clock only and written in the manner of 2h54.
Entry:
3h42
